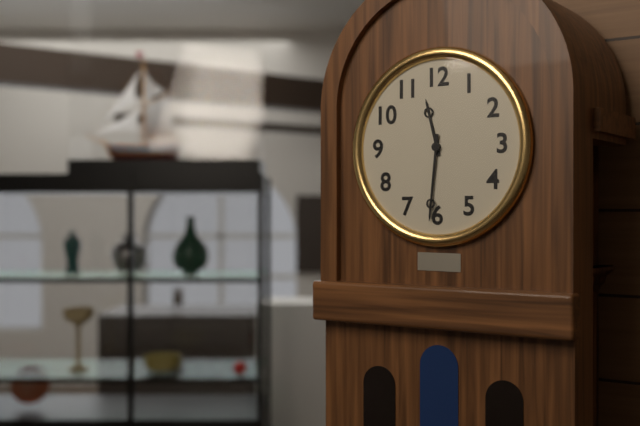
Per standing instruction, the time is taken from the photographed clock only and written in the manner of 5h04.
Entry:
11h31
